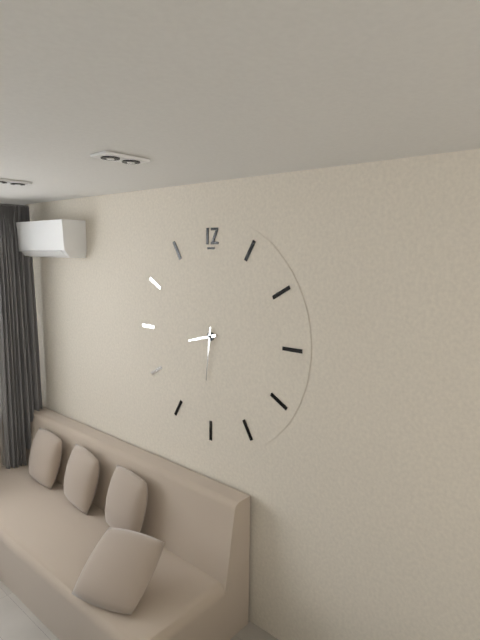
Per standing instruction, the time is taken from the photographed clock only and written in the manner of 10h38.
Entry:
8h31
